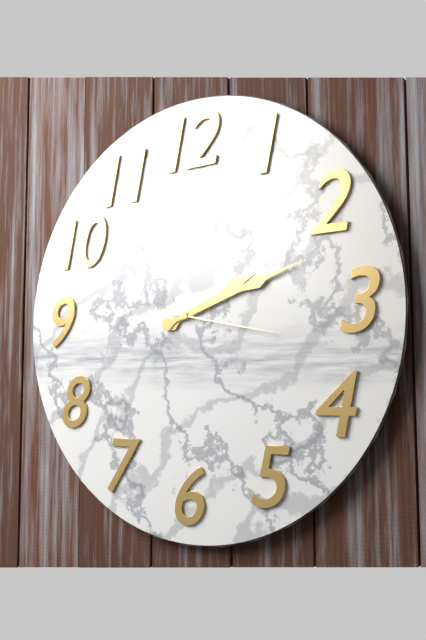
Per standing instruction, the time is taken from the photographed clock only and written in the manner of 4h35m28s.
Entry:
2h12m17s
